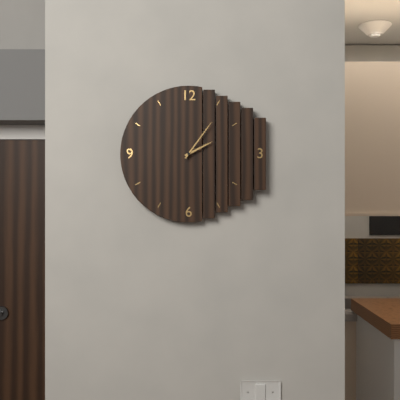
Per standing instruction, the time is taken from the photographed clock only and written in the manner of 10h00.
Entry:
2h06
